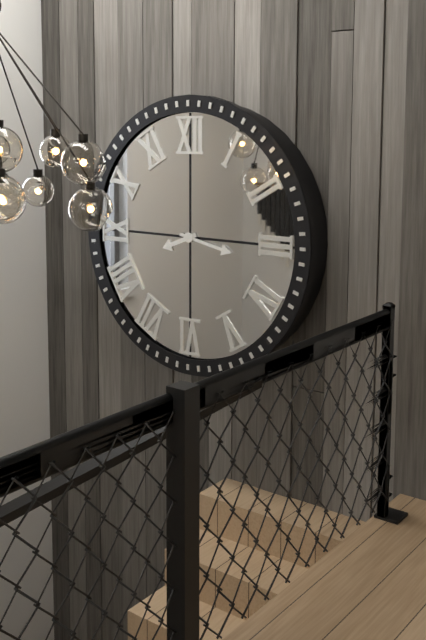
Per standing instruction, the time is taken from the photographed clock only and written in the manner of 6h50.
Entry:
8h17
